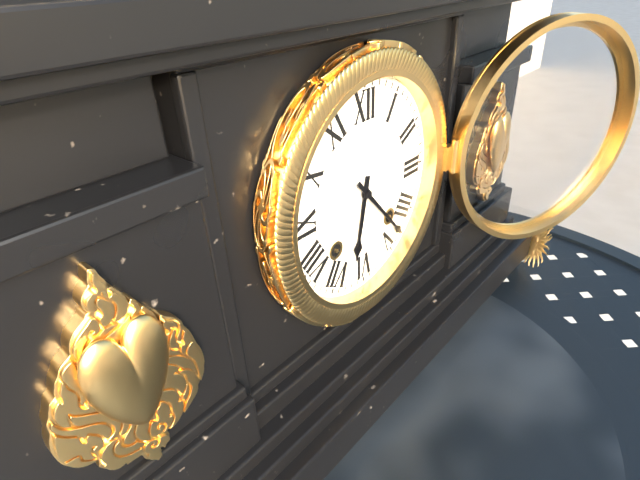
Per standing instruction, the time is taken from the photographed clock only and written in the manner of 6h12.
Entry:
6h23
